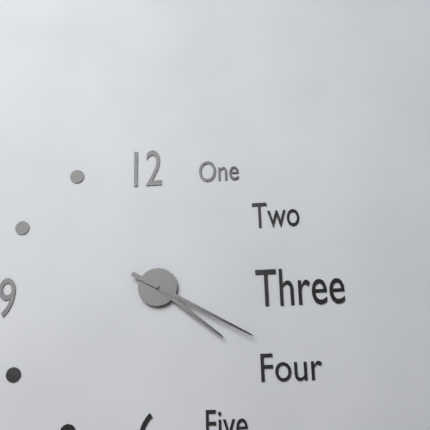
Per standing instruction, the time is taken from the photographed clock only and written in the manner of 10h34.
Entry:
4h20
